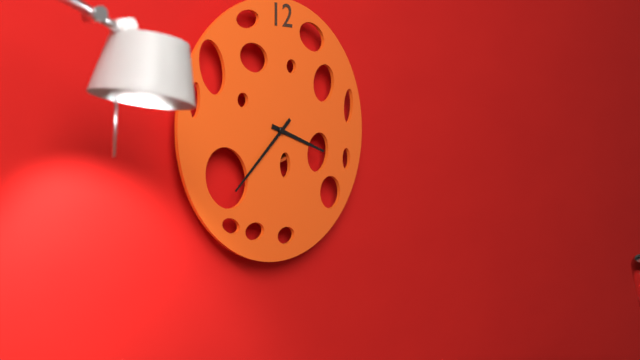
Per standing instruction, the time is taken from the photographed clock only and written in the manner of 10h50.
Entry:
3h38
